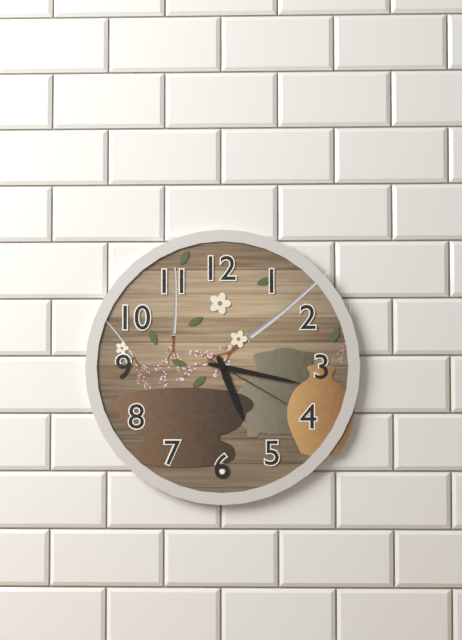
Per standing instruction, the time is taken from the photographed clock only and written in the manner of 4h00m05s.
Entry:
5h17m20s
